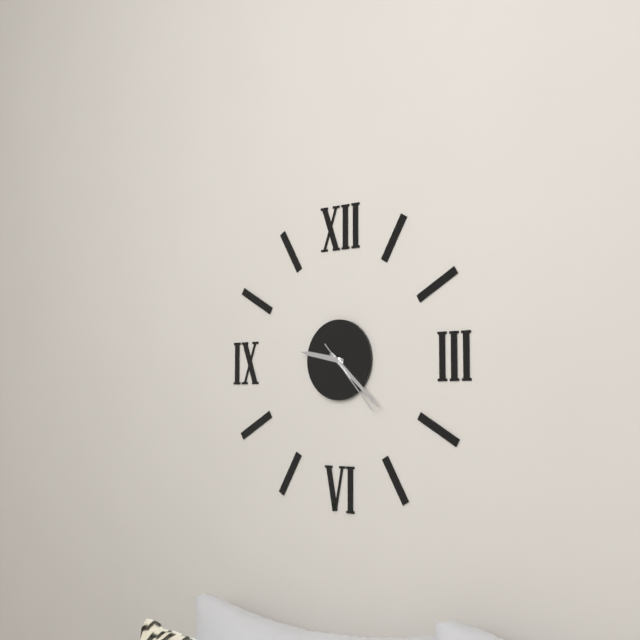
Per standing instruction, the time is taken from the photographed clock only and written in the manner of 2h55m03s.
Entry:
9h22m23s
